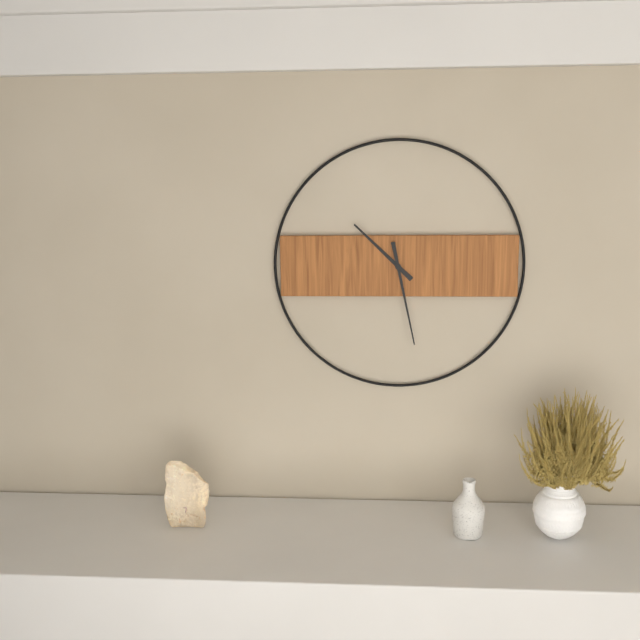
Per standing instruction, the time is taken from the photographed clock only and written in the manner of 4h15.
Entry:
10h28
